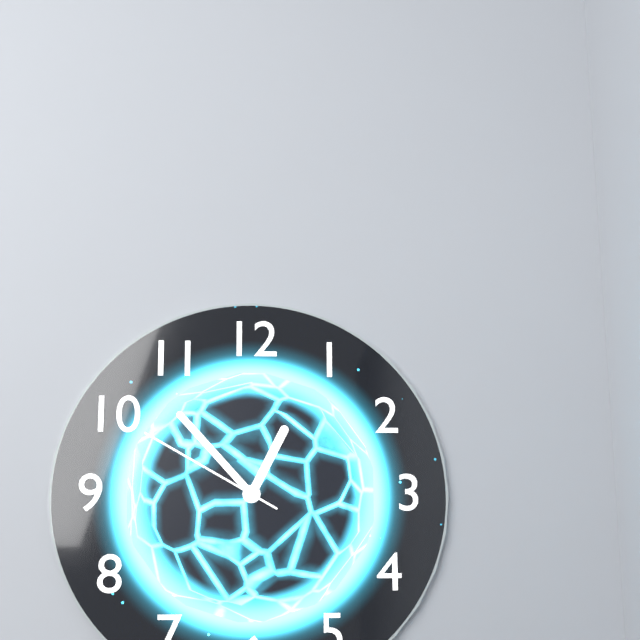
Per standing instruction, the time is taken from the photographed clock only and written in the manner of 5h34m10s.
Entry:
12h53m50s
